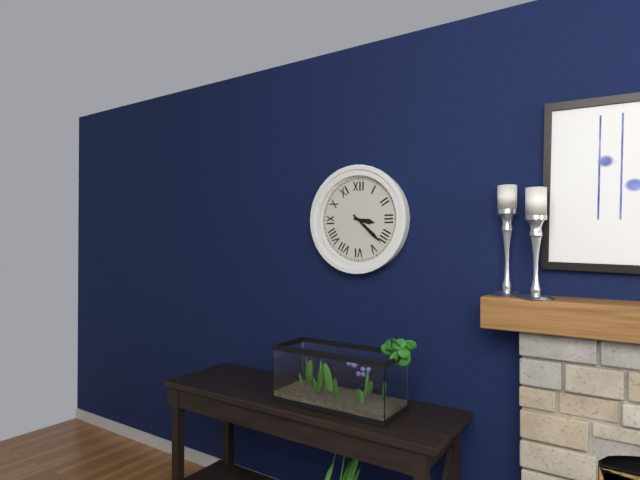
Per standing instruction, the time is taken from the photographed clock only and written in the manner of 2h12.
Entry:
3h22
